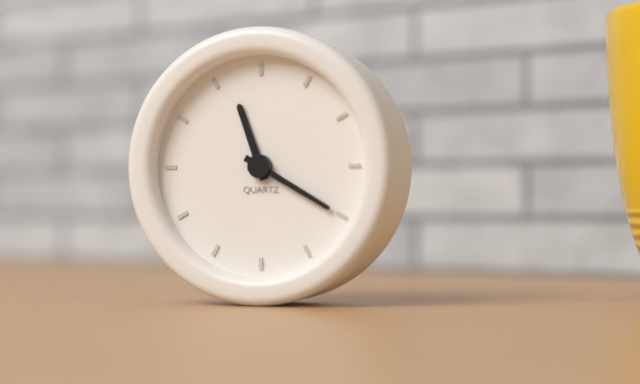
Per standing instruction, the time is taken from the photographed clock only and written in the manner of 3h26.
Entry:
11h20
